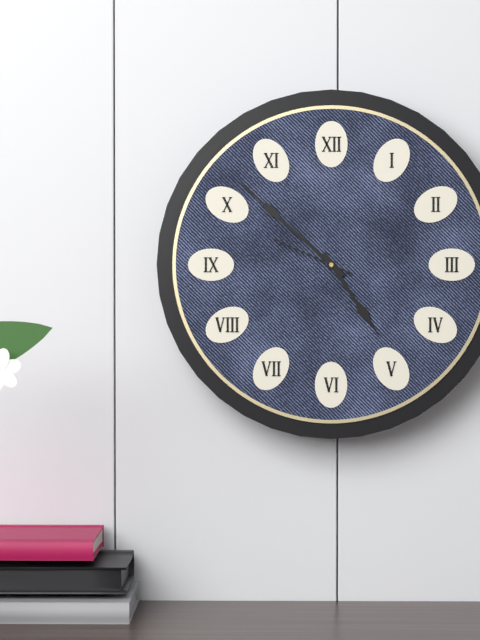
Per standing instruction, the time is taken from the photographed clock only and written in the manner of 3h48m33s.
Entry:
4h52m49s
